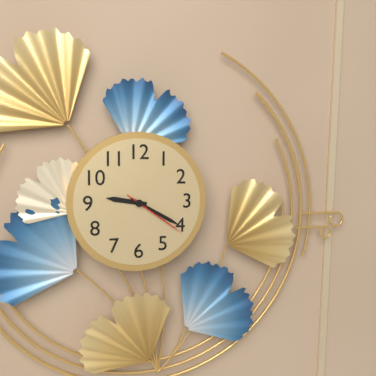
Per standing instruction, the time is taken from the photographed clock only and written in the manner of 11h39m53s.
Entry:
9h20m21s
